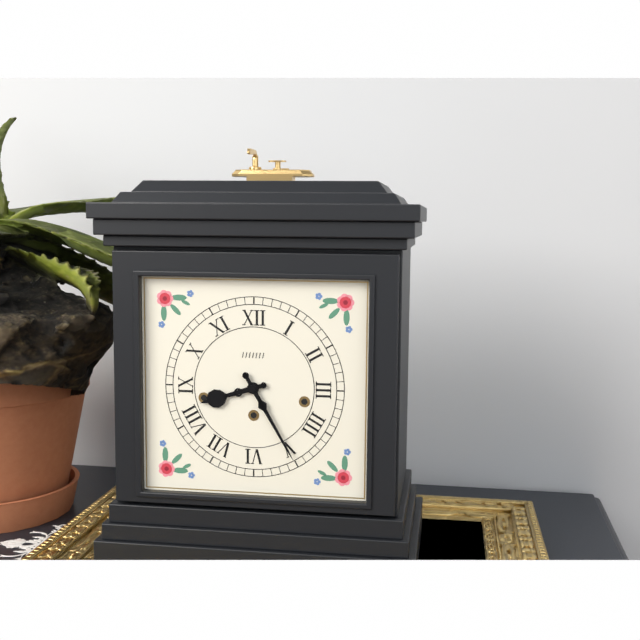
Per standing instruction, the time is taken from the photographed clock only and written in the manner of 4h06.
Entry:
8h25
